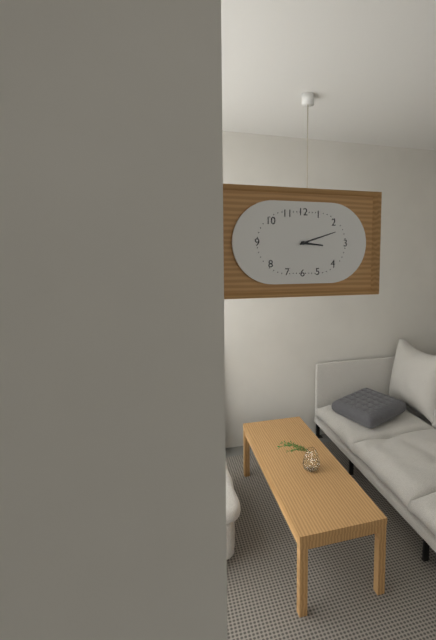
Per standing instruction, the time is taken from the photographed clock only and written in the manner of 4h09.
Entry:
3h12
